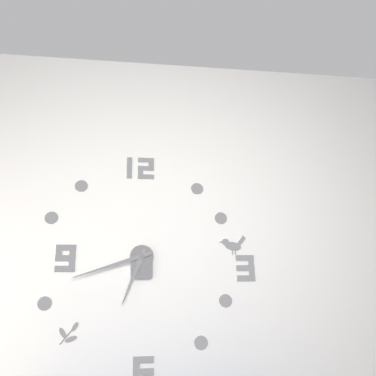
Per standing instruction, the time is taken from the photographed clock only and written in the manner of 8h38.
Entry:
6h42
